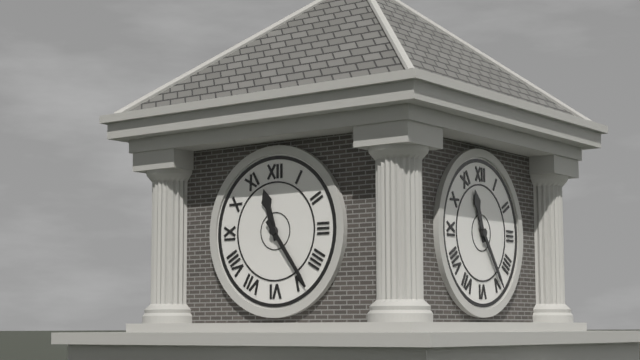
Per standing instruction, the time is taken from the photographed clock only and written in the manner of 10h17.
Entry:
11h24
